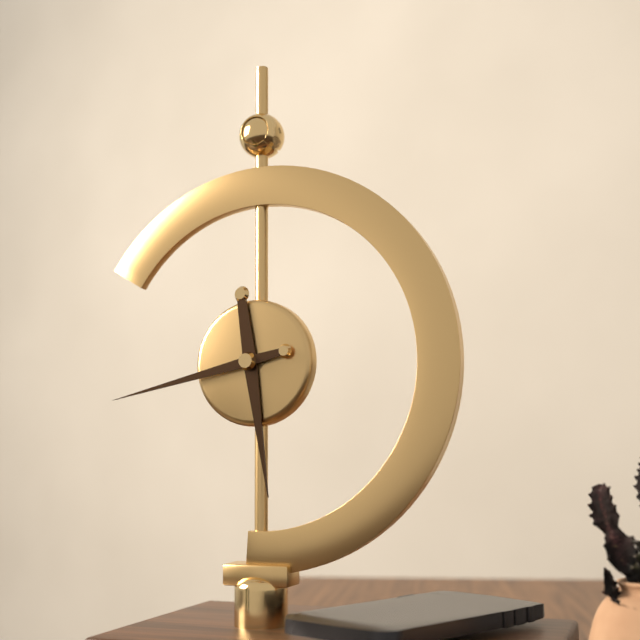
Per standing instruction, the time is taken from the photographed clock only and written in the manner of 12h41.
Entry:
5h43
